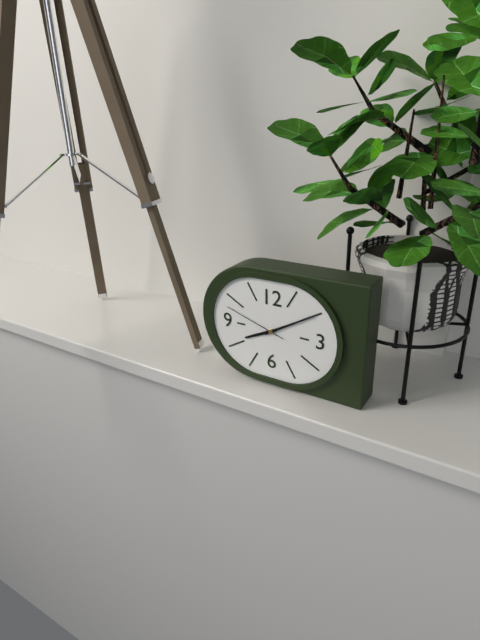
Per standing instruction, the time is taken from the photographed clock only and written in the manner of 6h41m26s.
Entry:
8h10m48s
